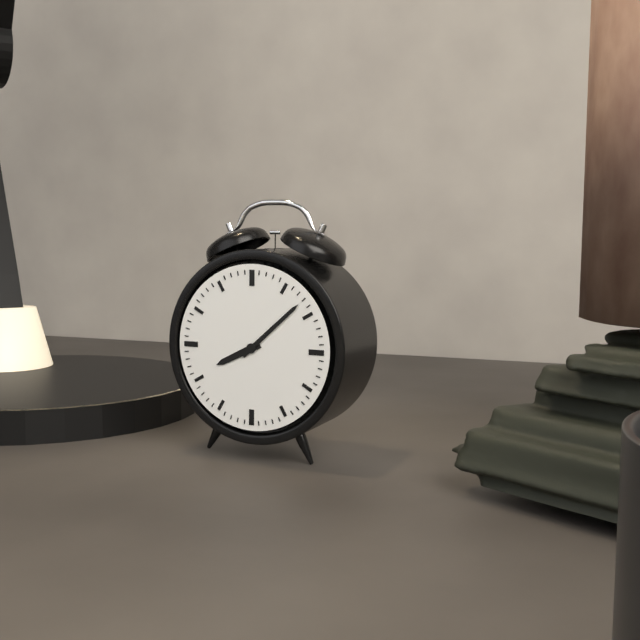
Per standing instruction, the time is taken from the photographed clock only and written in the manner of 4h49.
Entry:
8h08
